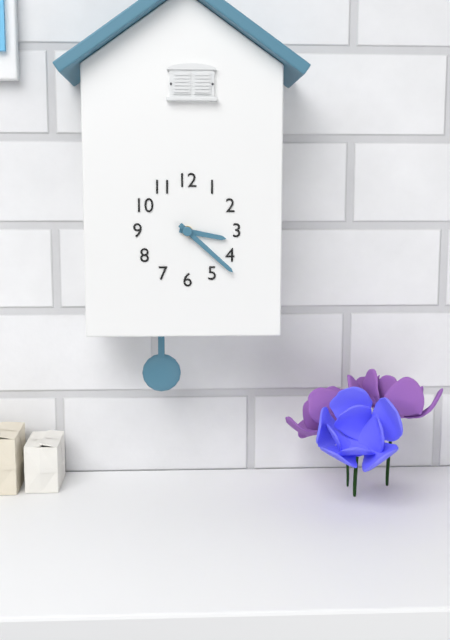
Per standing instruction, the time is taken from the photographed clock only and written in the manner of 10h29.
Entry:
3h22
